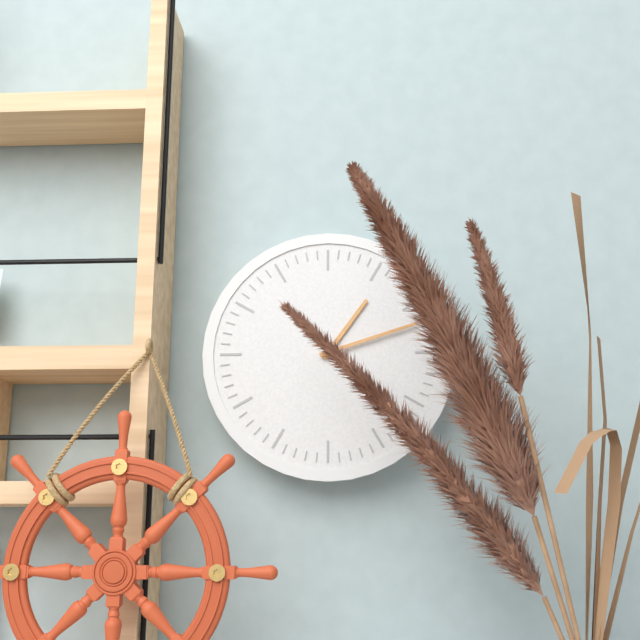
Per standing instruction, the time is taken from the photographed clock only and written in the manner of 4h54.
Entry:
1h12
